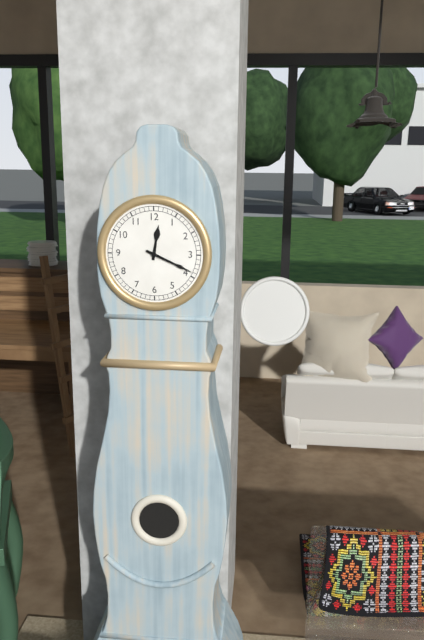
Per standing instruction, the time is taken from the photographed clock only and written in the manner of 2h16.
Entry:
12h19
